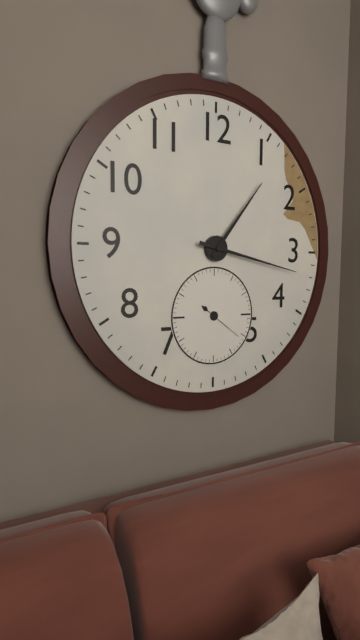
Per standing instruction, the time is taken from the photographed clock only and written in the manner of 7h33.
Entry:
1h17
